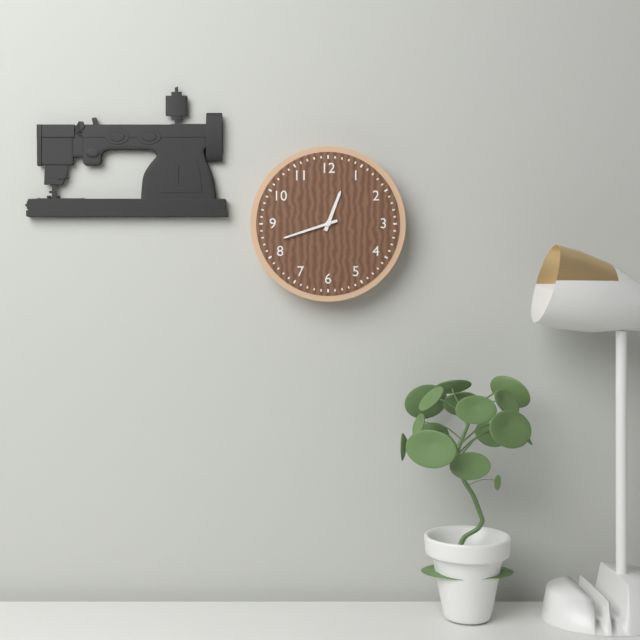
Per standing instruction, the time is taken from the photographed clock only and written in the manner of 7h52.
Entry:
12h42
